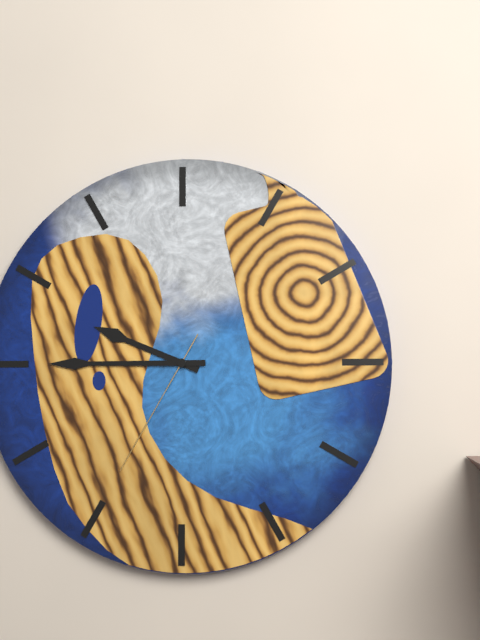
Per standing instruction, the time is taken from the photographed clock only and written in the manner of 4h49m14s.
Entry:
9h45m35s
